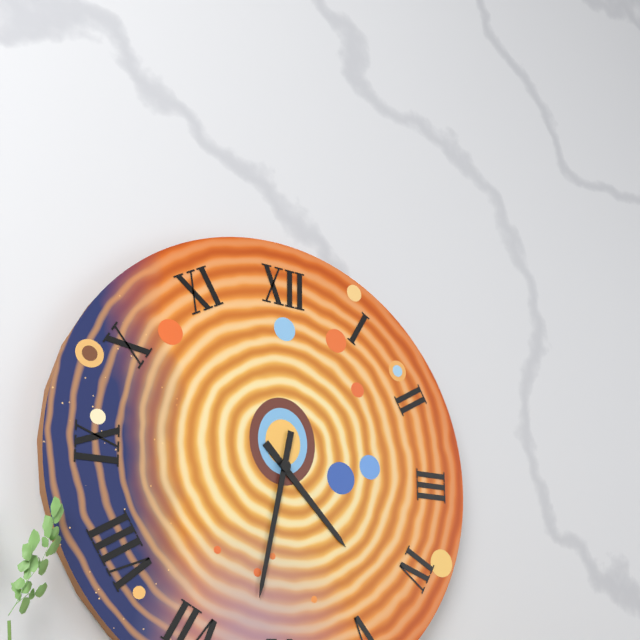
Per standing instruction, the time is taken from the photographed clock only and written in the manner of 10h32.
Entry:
4h32
